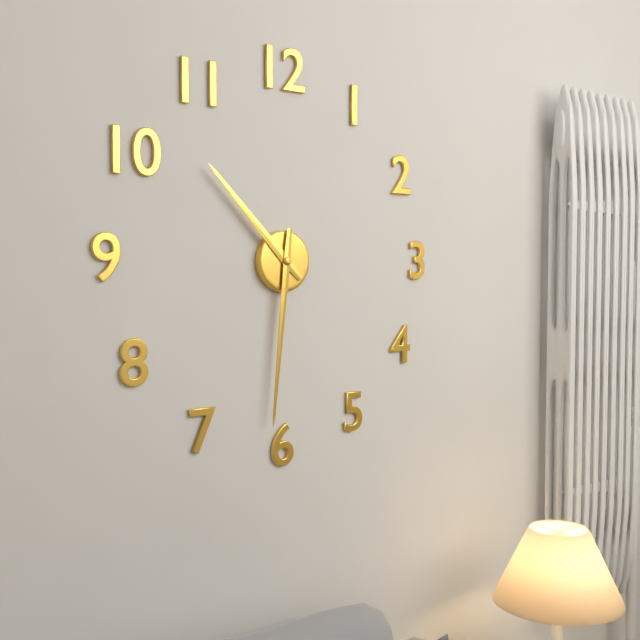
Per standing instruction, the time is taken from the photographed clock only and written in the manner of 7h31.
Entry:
10h31
